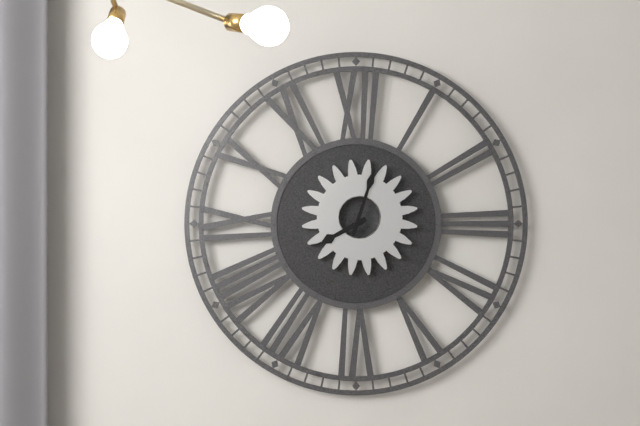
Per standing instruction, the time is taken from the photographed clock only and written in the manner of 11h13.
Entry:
8h03
